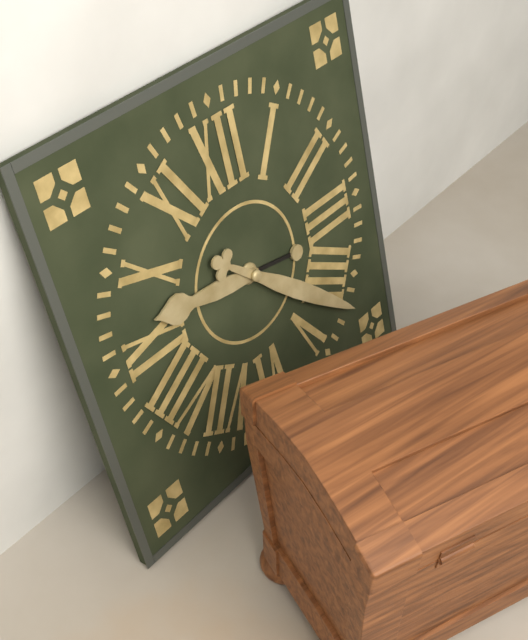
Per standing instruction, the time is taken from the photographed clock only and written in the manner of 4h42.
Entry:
9h22
